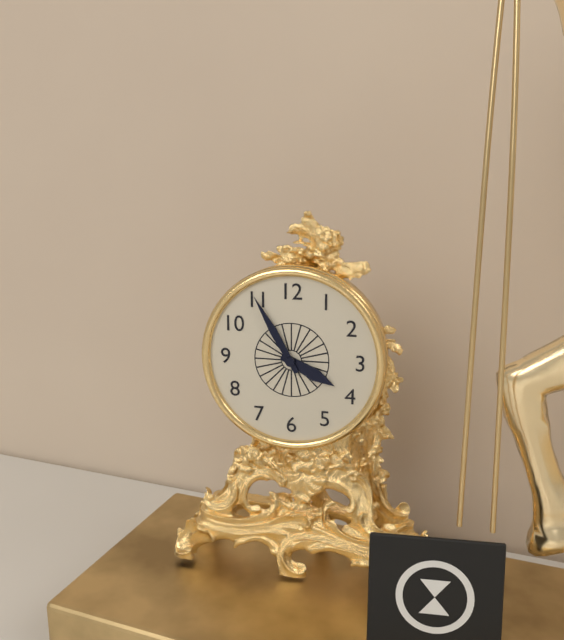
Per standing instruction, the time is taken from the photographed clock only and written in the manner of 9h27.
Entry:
3h55
